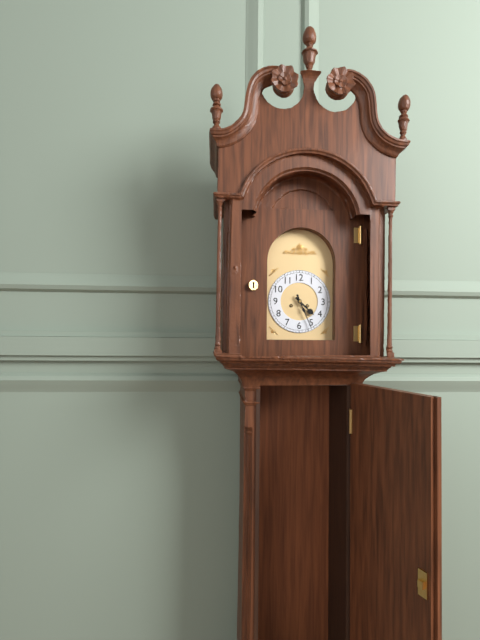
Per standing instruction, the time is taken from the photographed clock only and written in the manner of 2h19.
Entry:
4h26
